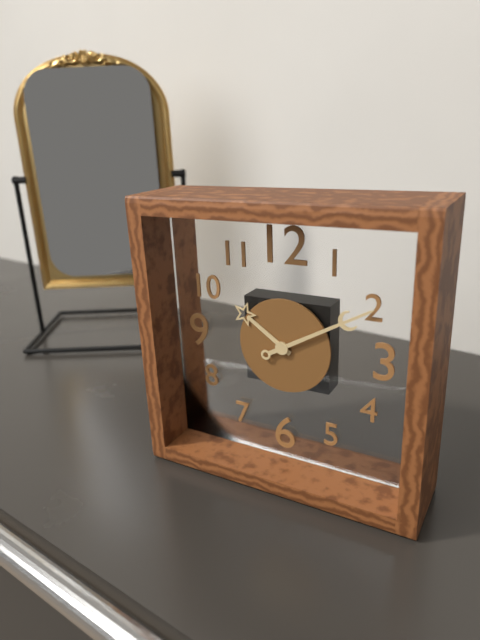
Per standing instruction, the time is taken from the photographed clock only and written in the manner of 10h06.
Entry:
10h10
